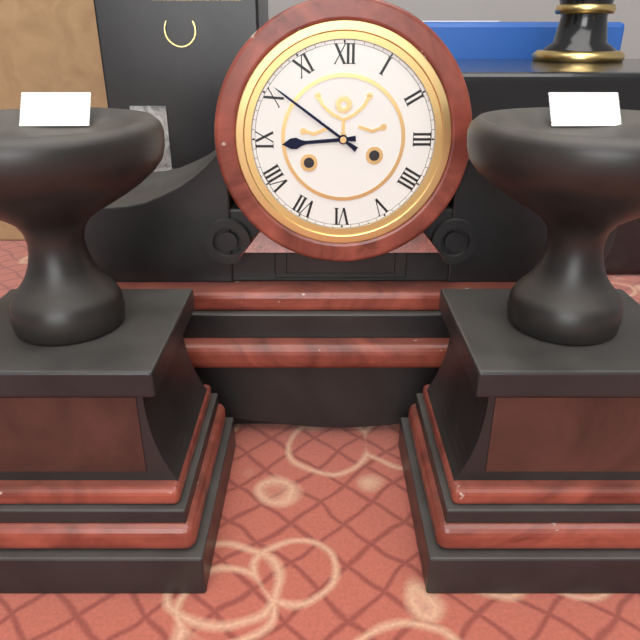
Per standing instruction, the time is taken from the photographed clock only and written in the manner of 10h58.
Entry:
8h51
